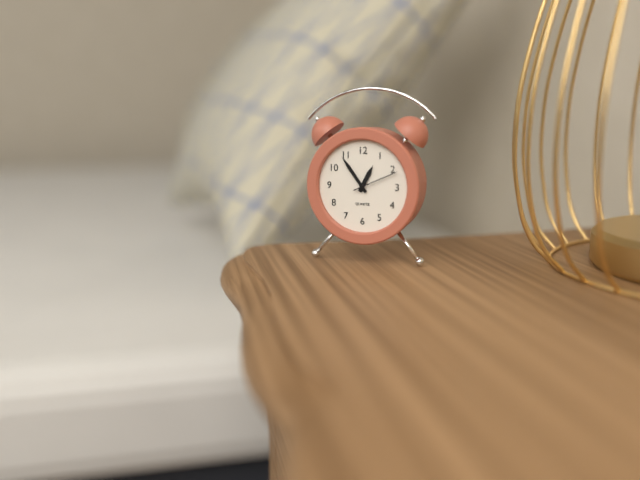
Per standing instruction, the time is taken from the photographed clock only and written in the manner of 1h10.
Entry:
12h54
